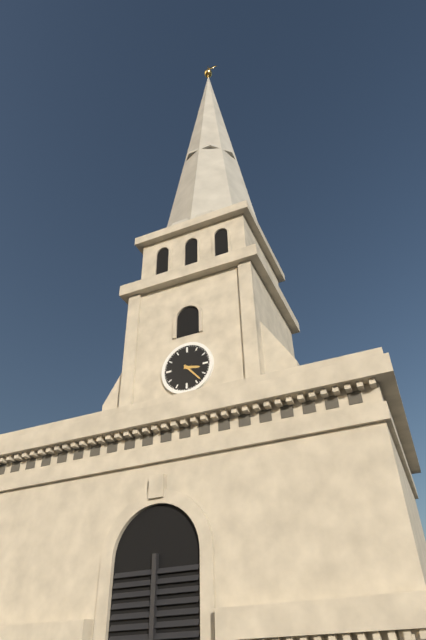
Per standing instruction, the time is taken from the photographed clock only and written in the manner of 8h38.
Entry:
3h23
